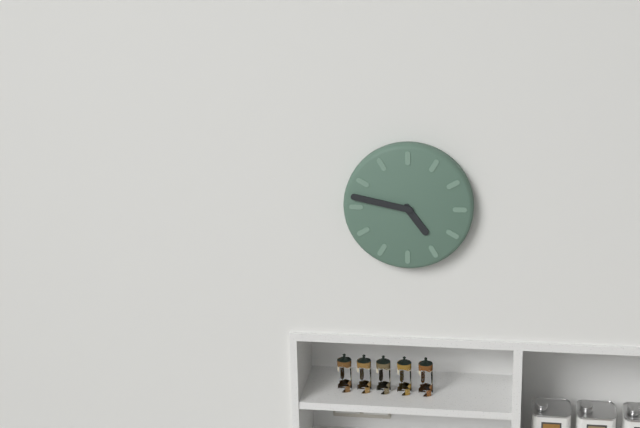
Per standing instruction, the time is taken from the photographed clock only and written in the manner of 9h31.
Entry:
4h47
